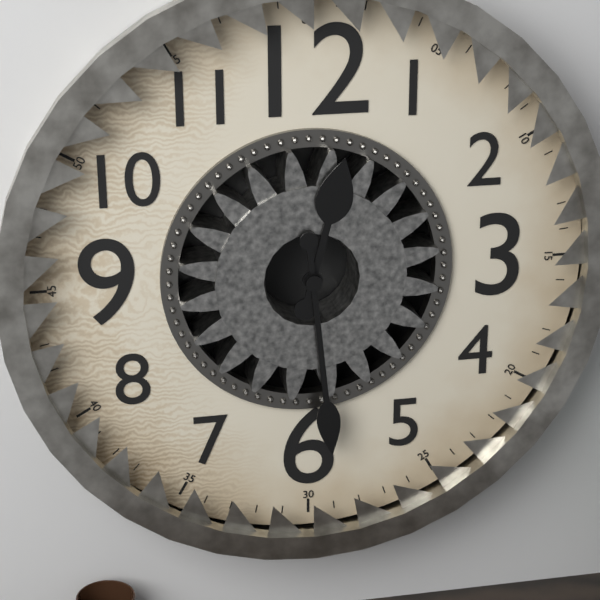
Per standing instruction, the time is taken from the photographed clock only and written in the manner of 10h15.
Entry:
12h29
